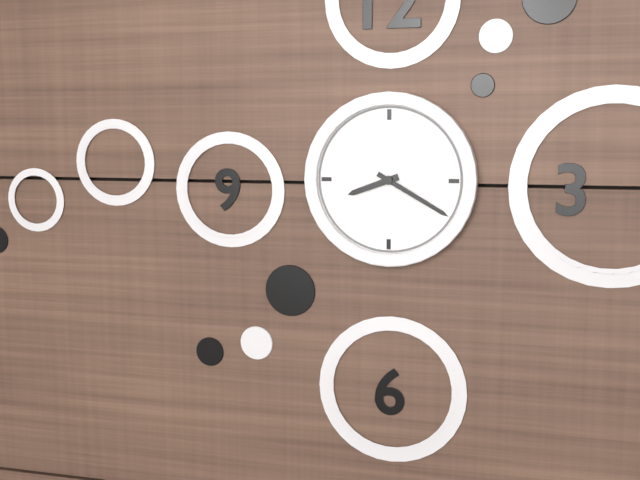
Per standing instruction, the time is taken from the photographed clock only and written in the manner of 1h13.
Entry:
8h20
